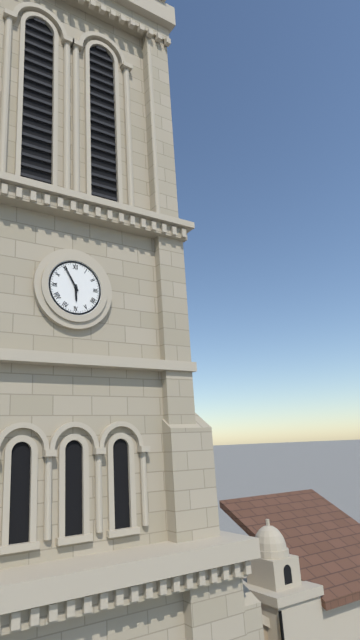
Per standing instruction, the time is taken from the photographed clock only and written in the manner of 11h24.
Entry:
5h55
